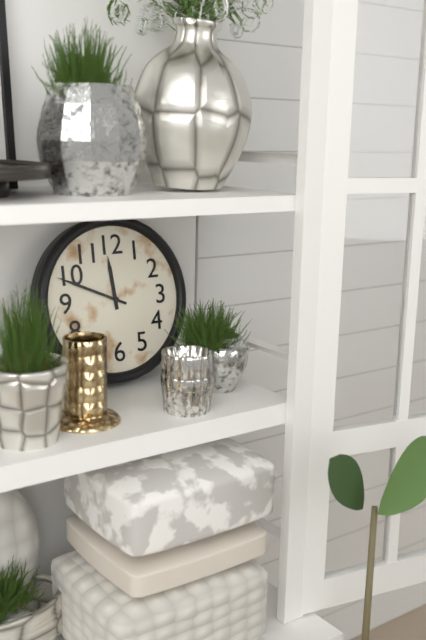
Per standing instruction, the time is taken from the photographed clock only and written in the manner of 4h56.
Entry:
11h49
